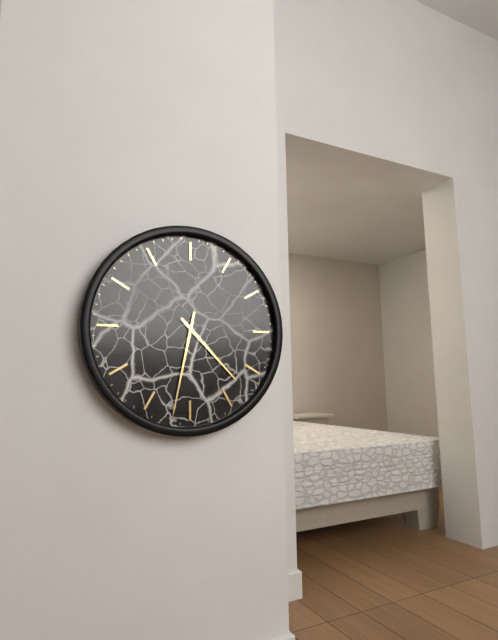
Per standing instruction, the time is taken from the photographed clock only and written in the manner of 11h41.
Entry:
4h32
